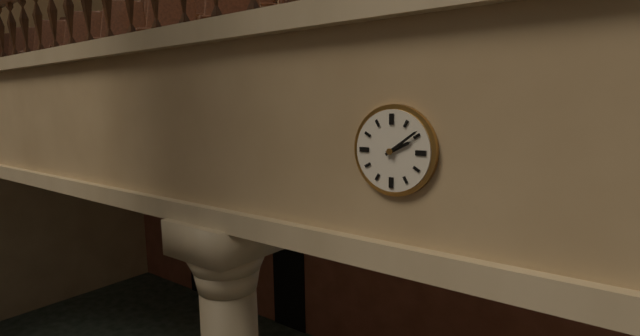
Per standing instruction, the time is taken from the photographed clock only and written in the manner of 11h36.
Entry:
2h09
